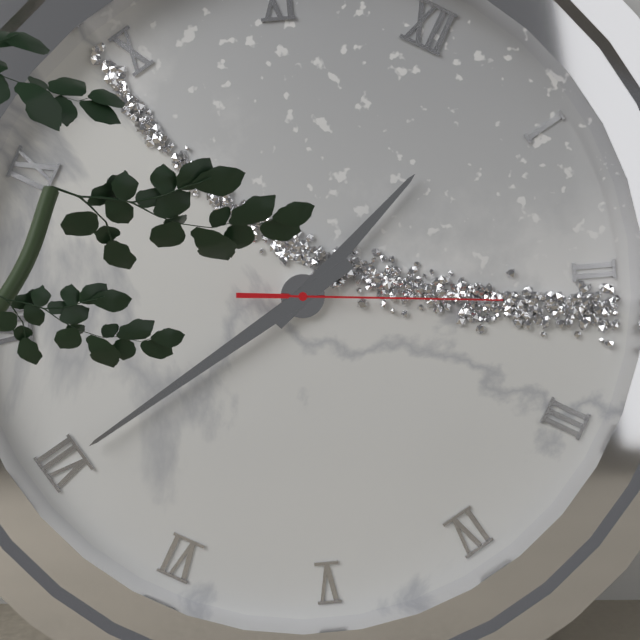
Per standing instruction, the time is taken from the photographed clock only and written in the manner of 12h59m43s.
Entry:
12h35m11s
